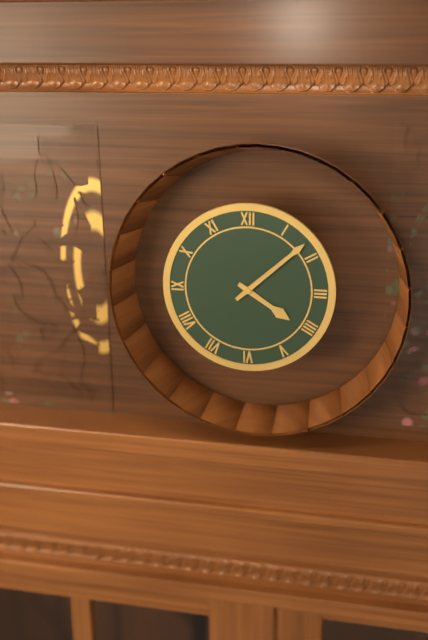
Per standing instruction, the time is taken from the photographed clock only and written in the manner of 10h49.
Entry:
4h08
